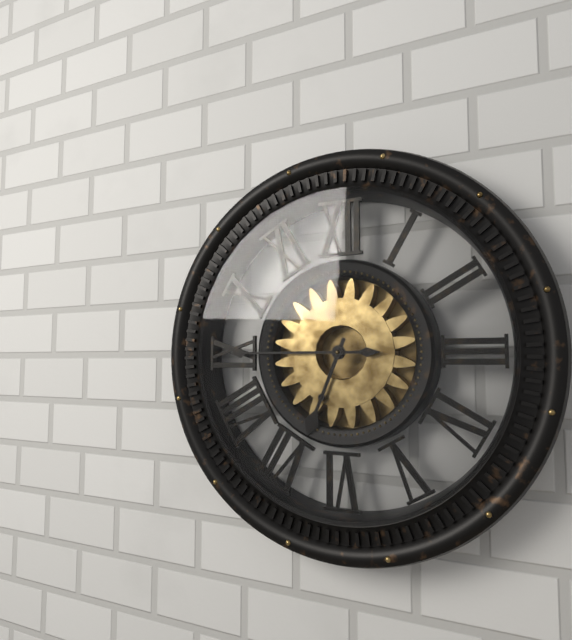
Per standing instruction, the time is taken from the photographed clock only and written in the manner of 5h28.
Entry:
6h45
